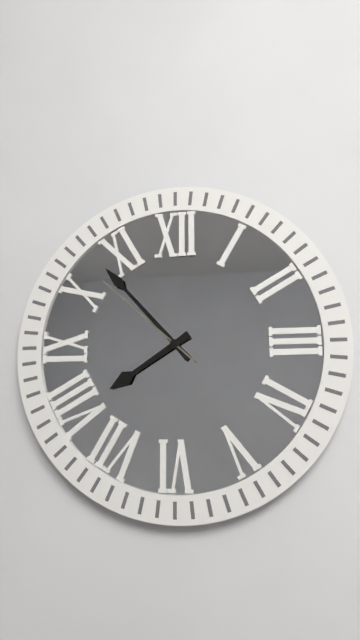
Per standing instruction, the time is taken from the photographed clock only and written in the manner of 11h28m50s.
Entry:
7h53m52s
